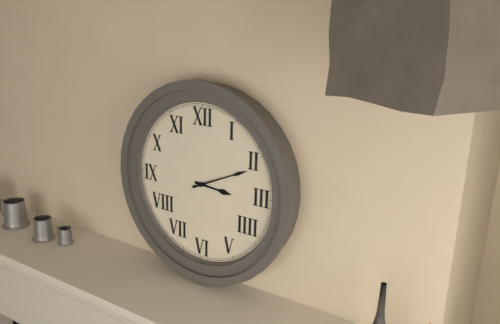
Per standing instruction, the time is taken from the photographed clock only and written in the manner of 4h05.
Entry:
3h11
